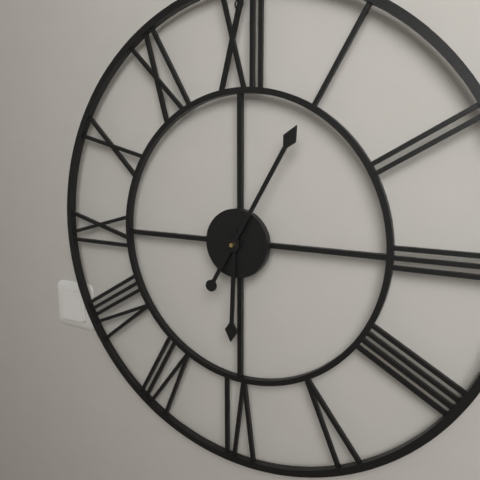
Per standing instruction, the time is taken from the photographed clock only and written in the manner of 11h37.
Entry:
6h05
